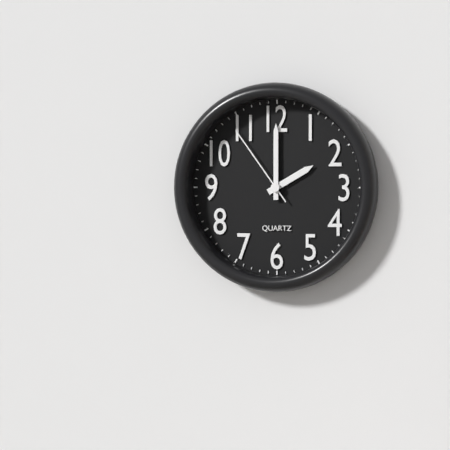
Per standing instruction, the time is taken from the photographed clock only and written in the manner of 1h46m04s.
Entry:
2h00m54s
